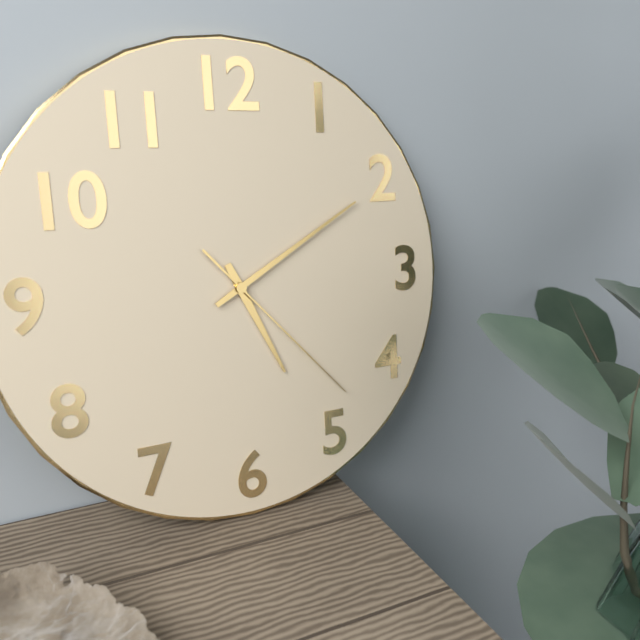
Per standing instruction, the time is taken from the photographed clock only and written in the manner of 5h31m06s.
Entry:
5h10m23s
